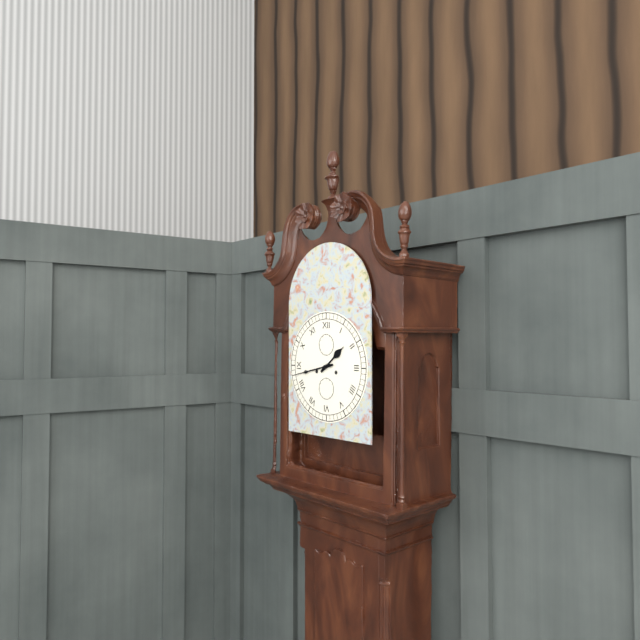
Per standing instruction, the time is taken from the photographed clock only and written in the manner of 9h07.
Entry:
1h43
